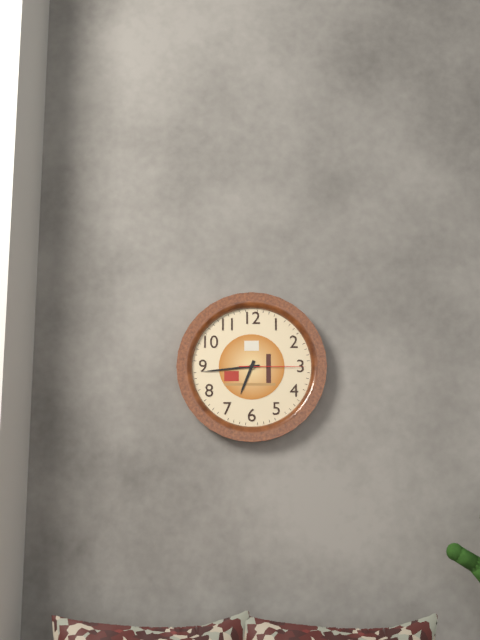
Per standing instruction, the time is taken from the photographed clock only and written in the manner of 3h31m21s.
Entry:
6h44m15s
